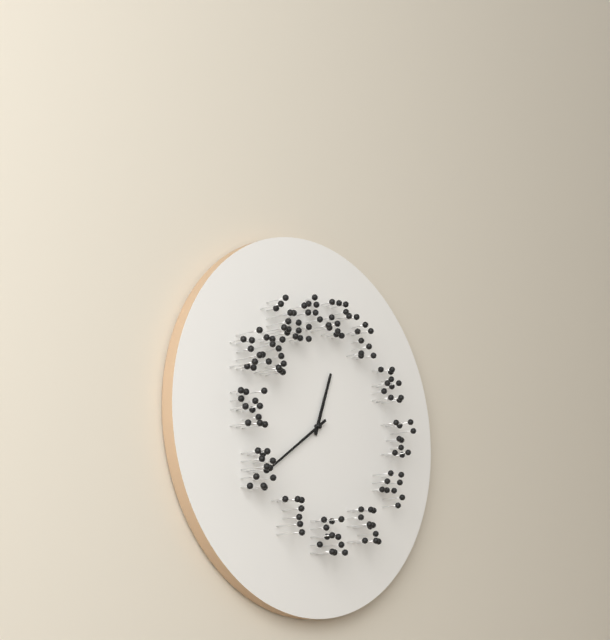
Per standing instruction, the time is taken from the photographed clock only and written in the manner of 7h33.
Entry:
12h39
